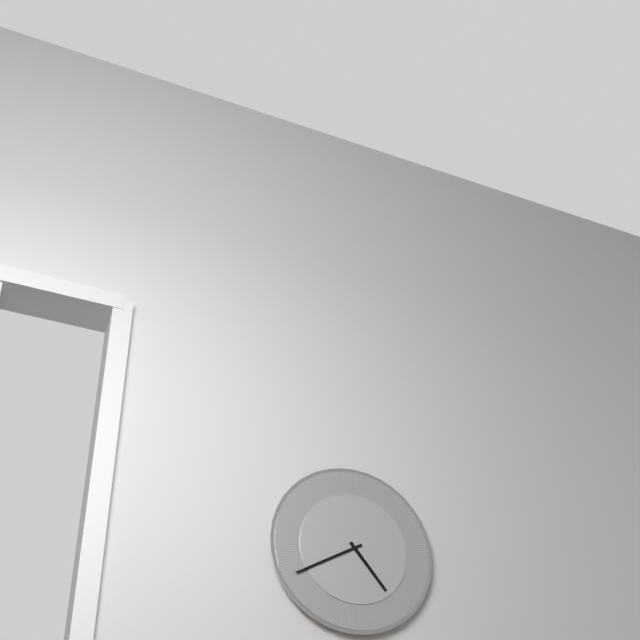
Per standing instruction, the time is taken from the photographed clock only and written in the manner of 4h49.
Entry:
4h40
